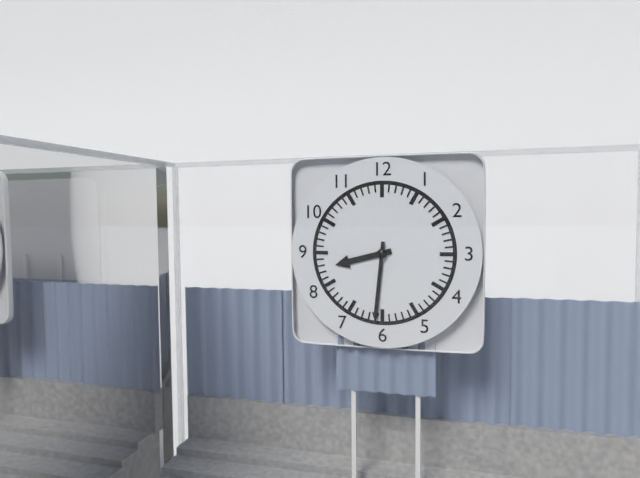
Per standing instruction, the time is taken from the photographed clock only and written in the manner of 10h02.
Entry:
8h31
